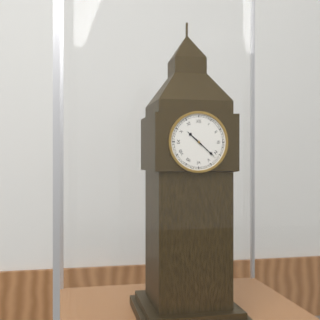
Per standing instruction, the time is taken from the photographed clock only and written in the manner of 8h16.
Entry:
10h22
